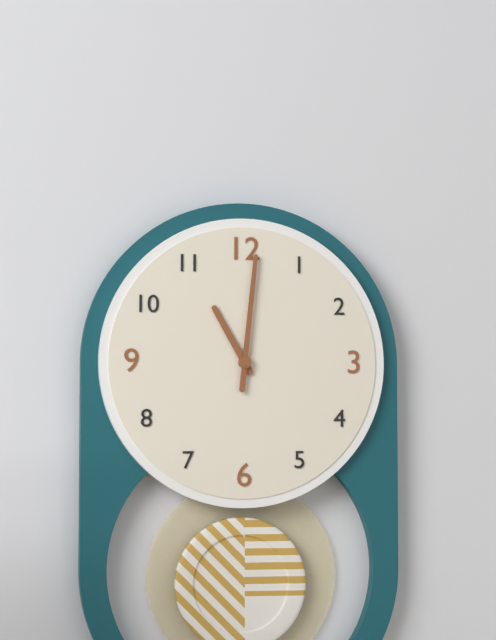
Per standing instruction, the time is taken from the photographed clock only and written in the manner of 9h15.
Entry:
11h01
